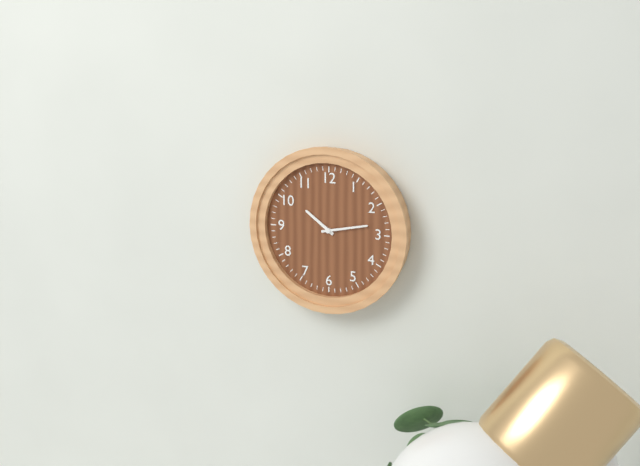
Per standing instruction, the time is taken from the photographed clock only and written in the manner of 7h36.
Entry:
10h13
